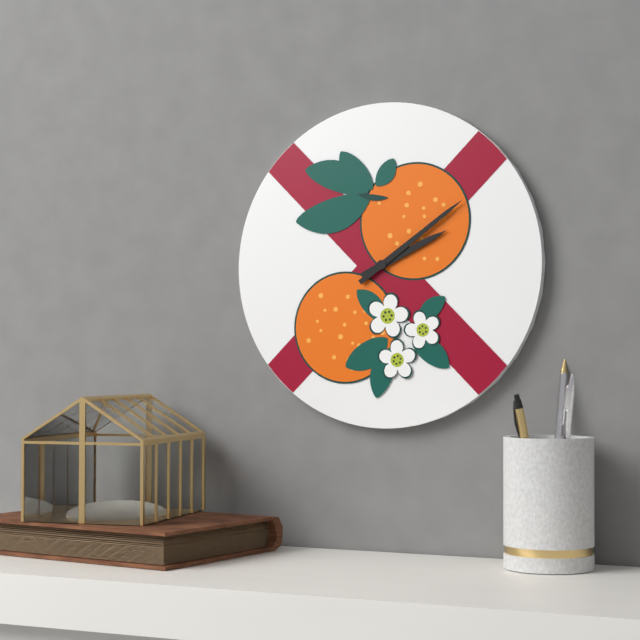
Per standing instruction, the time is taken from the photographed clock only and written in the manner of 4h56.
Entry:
2h09
